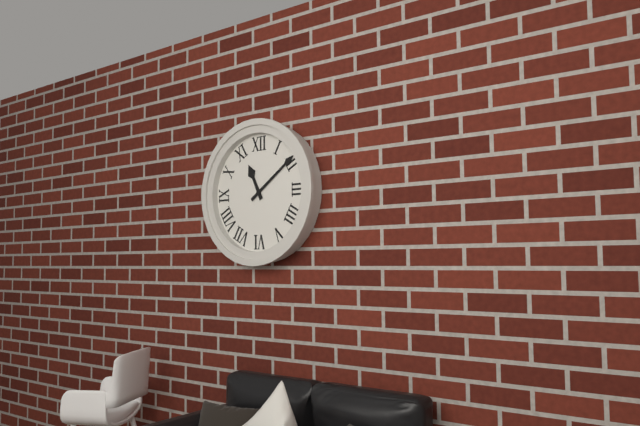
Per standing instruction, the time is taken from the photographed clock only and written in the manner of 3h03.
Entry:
11h09
